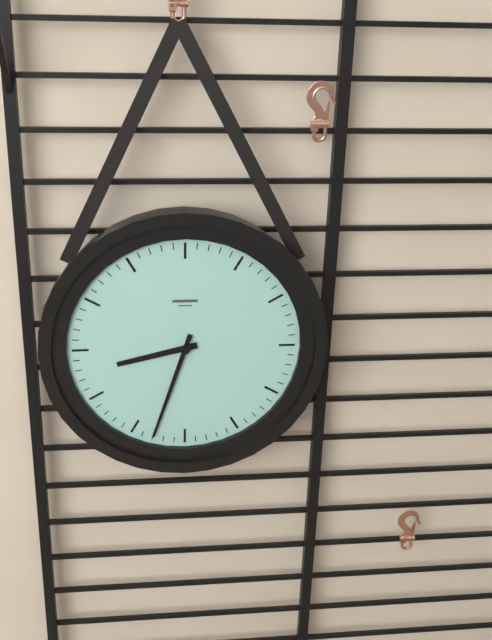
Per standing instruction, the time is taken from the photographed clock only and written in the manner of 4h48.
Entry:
8h33
